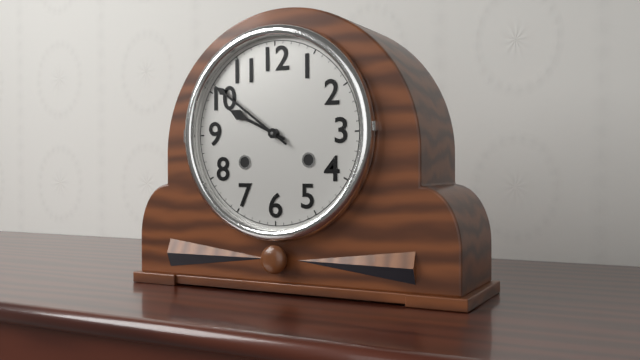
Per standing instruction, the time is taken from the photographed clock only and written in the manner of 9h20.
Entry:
9h51
